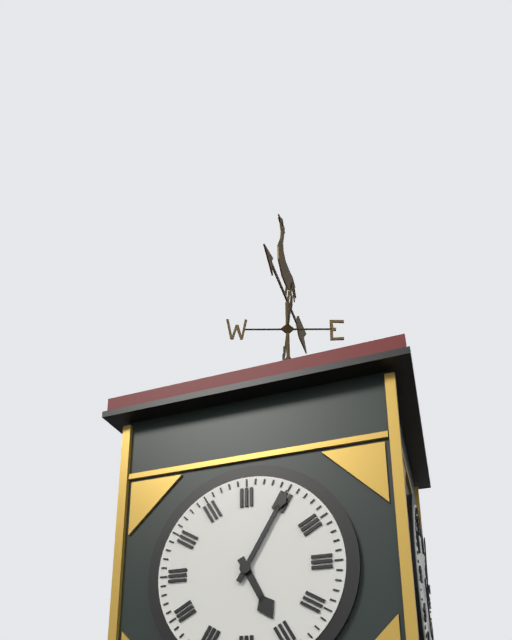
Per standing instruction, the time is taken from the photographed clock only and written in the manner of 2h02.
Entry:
5h05
